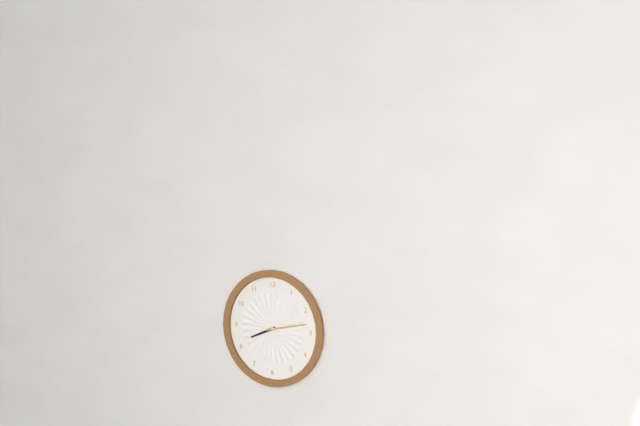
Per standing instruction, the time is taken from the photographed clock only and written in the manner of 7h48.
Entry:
8h13
